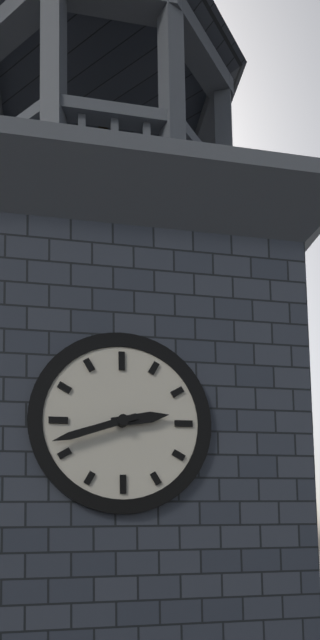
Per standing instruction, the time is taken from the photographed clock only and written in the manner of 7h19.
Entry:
2h42
